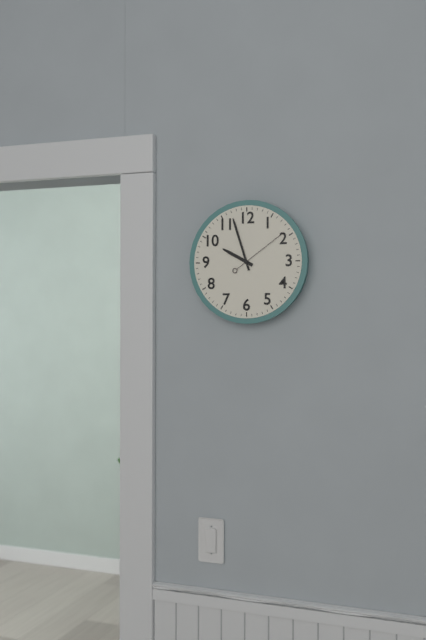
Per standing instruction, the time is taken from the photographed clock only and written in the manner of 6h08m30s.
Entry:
9h57m09s
